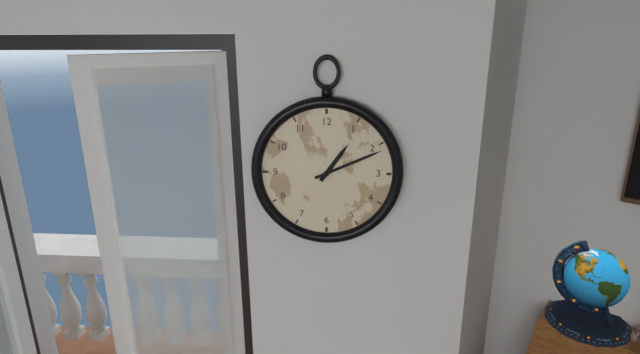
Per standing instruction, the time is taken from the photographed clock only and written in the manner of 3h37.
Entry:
1h11
